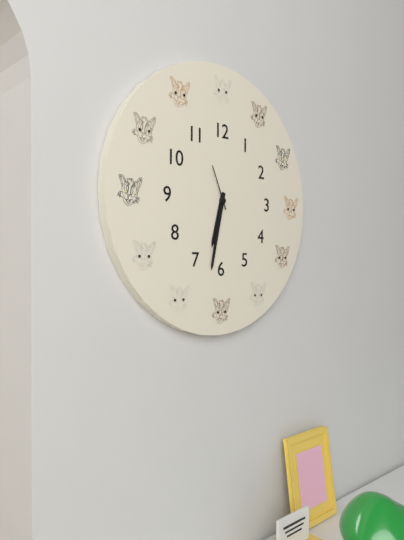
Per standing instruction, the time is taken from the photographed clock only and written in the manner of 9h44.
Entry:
6h32
